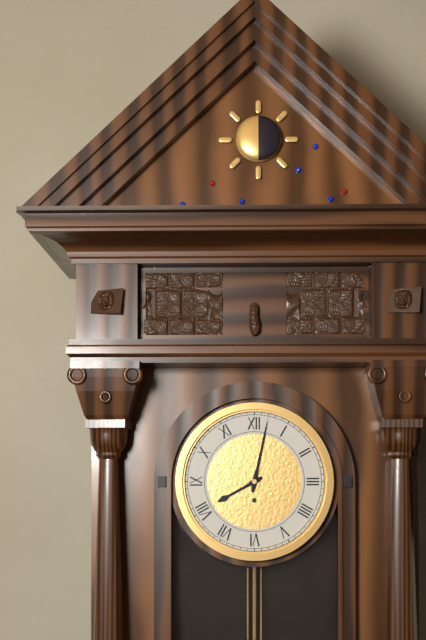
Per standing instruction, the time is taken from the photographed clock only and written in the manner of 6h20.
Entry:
8h02
